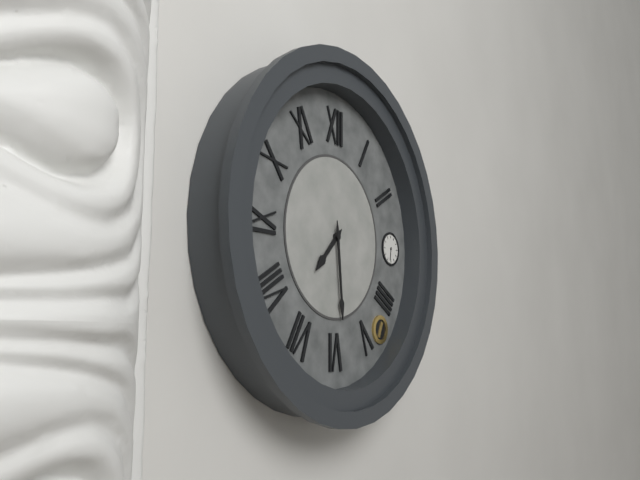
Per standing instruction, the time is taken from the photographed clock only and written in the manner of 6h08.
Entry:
7h29
